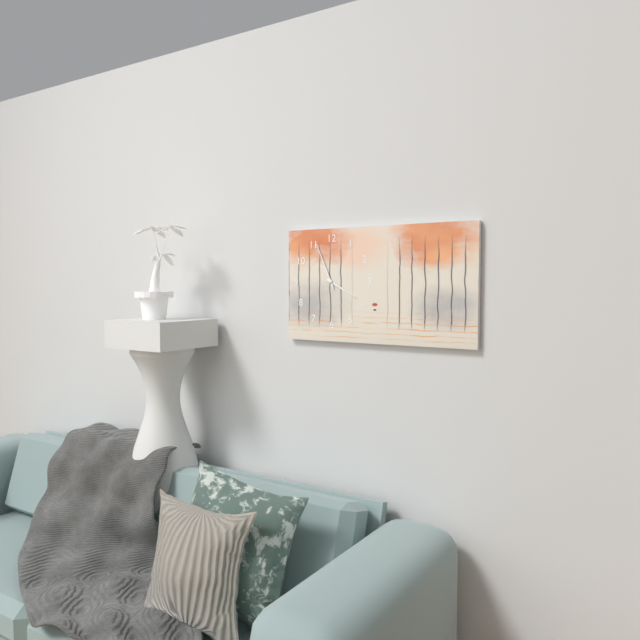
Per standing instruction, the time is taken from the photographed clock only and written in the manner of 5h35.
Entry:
3h56
